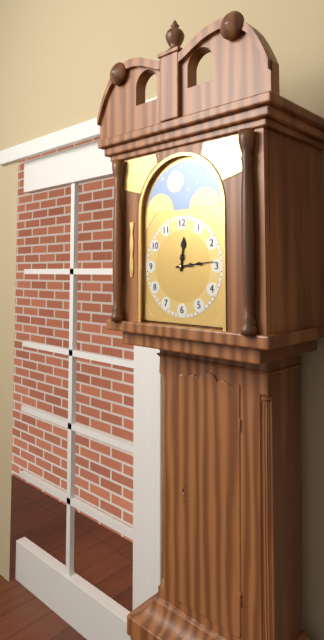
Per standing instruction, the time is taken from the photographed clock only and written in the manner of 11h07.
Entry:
12h14
